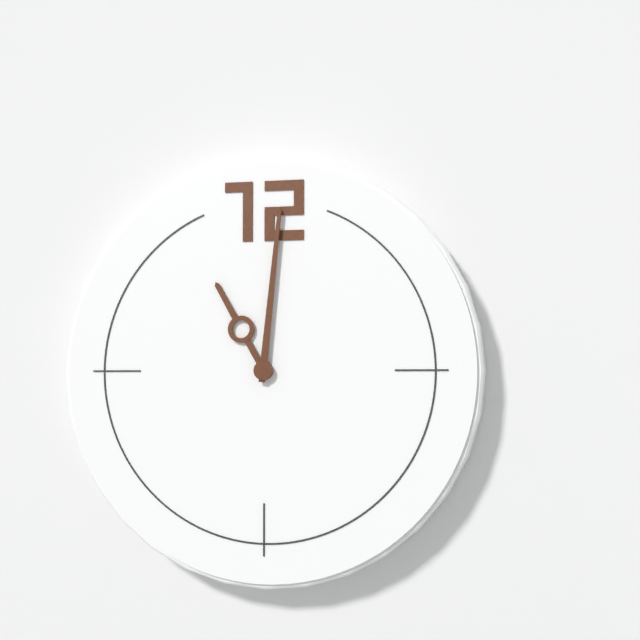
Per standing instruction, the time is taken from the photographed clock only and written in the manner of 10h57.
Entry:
11h01
